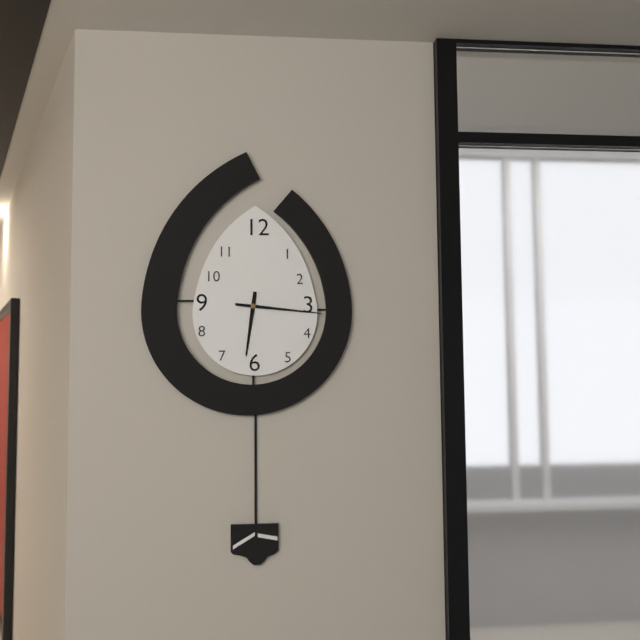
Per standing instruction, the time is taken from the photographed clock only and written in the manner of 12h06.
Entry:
6h16
